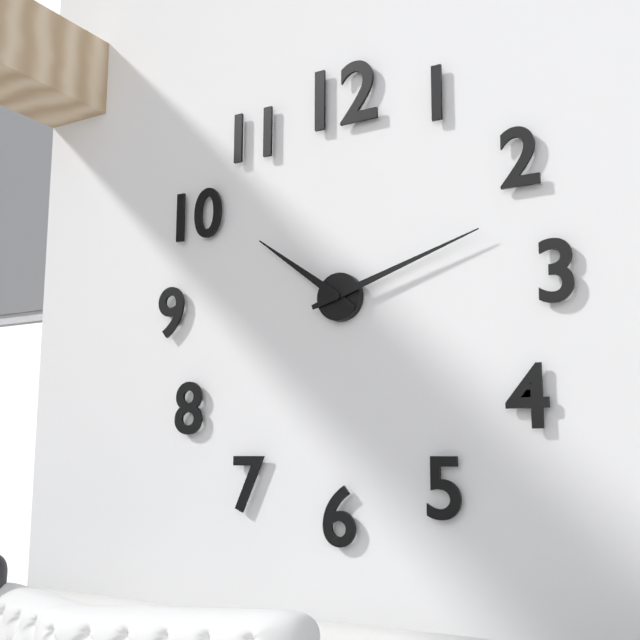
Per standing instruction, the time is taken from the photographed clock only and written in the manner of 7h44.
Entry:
10h12
